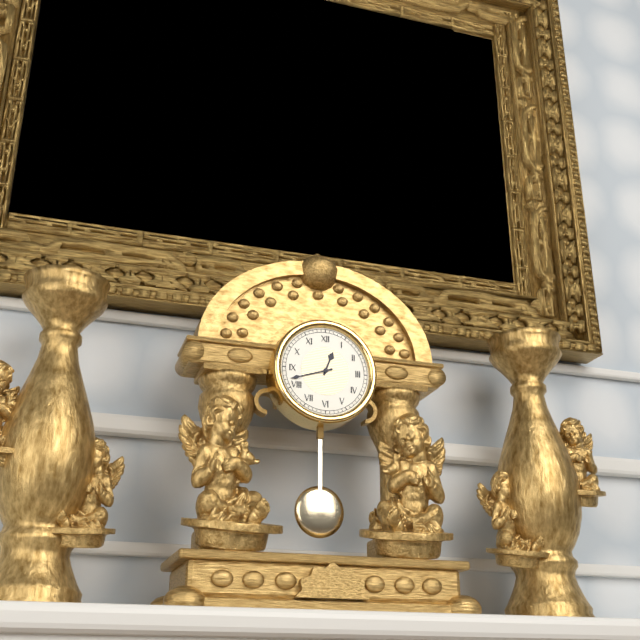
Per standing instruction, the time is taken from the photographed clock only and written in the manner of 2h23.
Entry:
12h42
